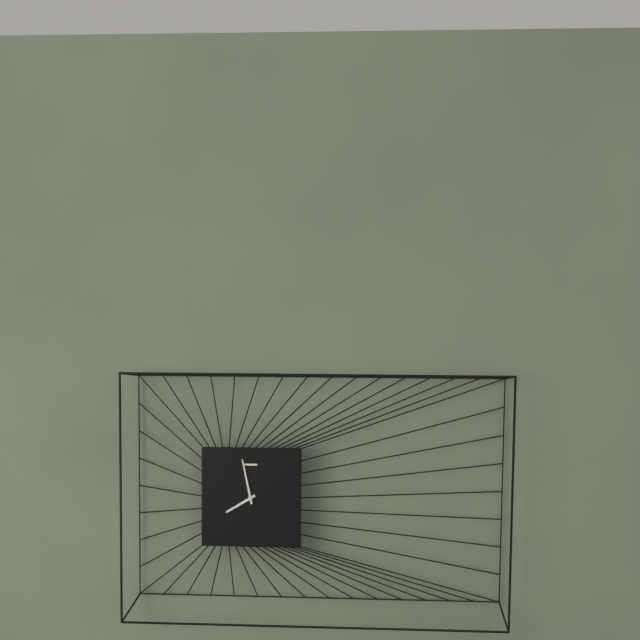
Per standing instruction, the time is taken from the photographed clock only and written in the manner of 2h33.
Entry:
7h58
